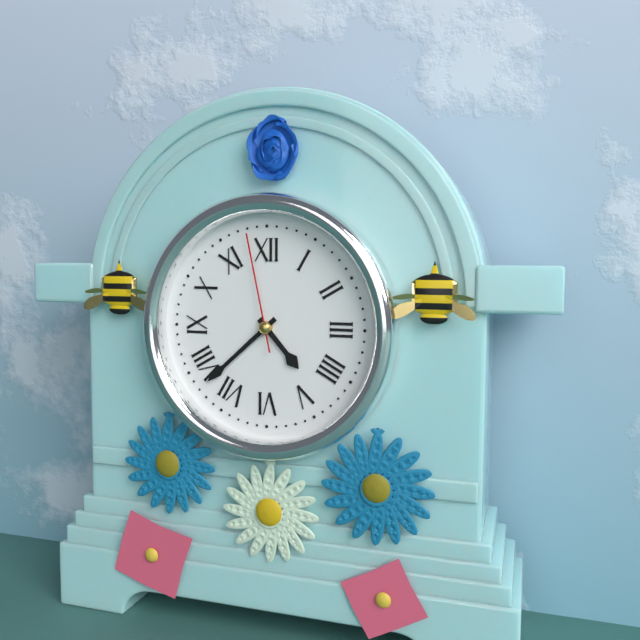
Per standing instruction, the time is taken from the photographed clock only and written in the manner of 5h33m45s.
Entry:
4h38m58s
